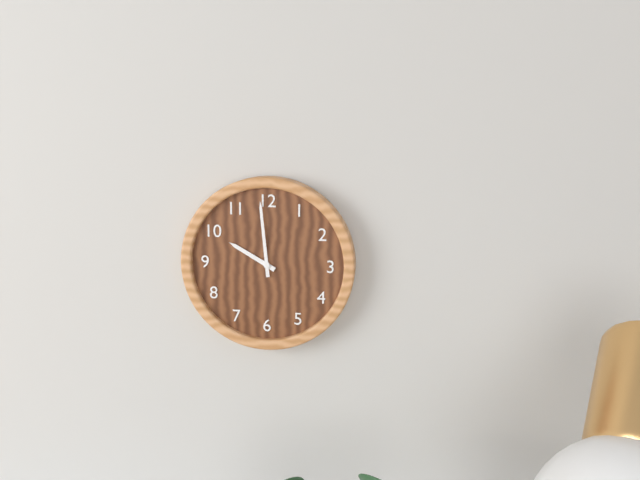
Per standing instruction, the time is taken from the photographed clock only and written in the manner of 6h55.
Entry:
9h59
